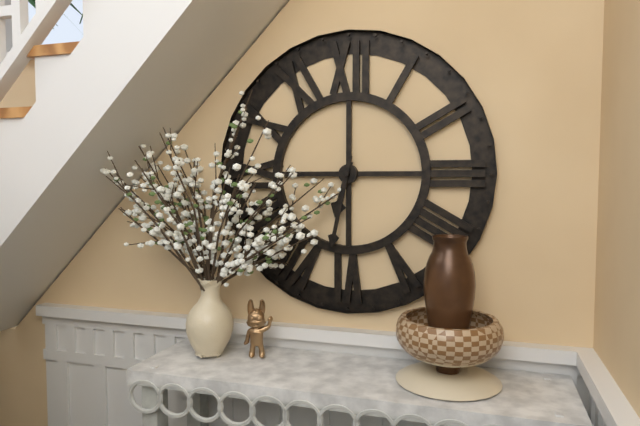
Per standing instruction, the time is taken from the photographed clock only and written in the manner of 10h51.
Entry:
6h32
